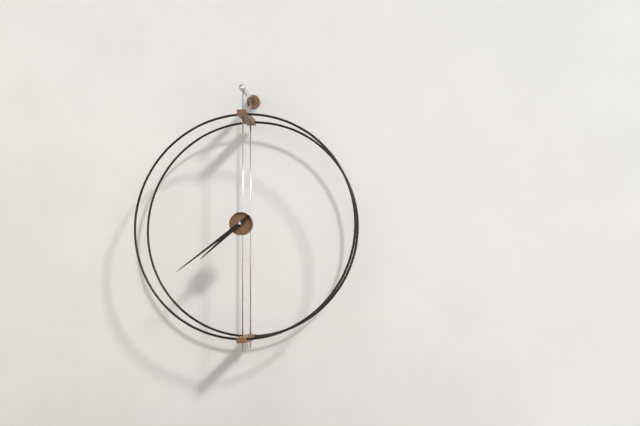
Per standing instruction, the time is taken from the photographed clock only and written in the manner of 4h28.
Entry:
7h39
